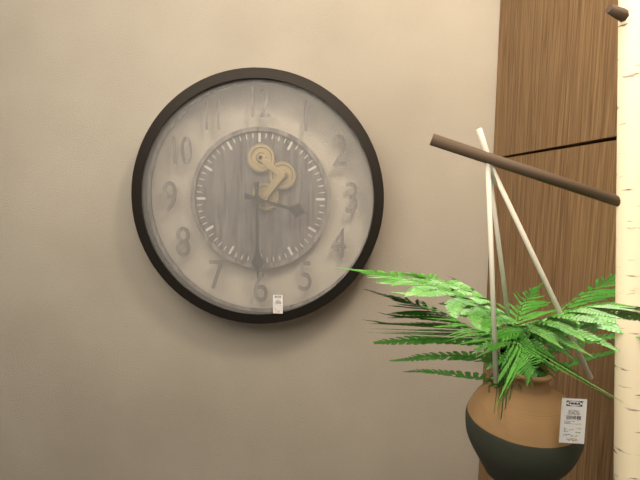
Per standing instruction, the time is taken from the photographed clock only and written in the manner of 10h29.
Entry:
3h30
